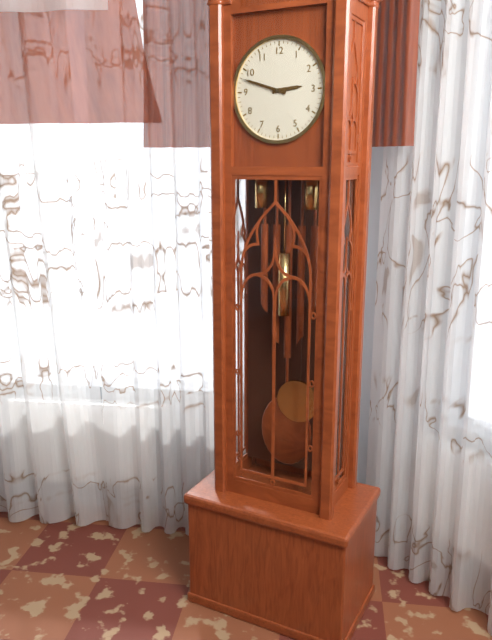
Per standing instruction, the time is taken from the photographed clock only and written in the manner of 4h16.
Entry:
2h48
